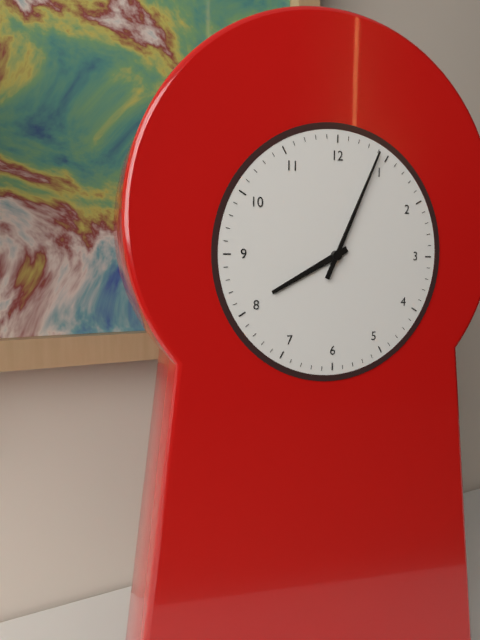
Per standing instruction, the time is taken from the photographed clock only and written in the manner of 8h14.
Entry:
8h04
